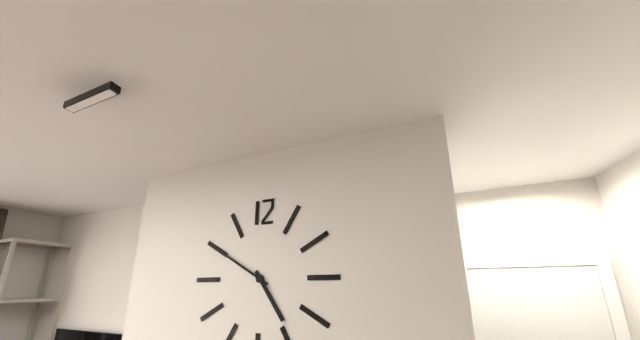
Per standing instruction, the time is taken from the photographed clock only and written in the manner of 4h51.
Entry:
4h50
